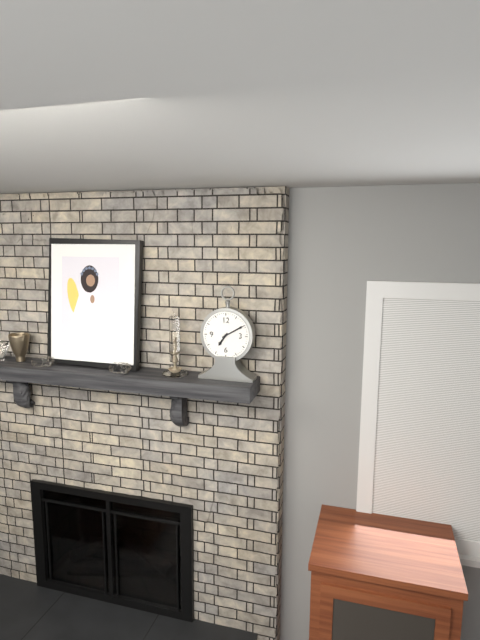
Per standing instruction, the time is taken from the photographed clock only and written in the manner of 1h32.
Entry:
7h10
